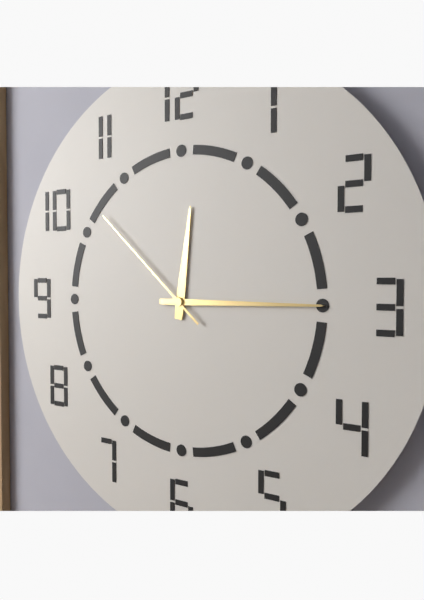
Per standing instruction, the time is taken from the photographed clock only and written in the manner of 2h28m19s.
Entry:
12h15m52s
